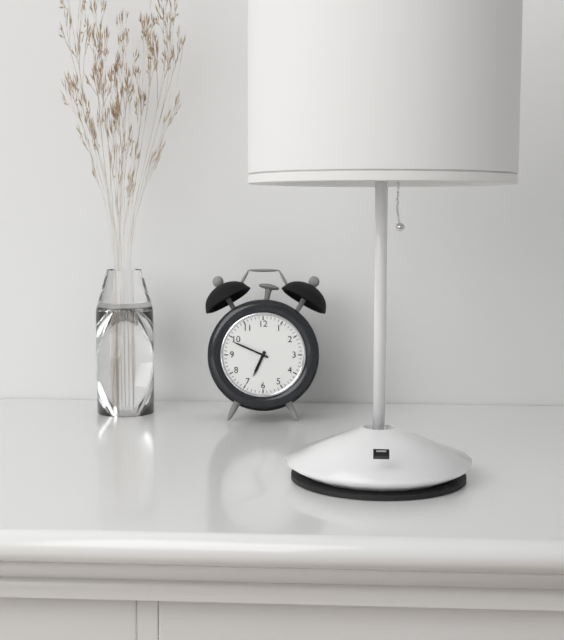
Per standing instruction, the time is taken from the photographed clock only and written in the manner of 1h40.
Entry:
6h49
